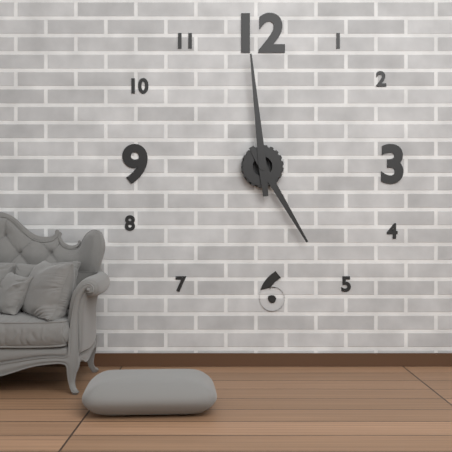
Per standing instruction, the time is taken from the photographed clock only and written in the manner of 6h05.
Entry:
4h59
